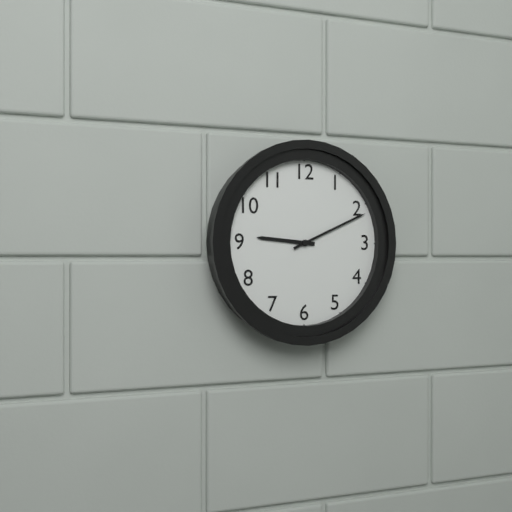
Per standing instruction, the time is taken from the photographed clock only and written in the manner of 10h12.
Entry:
9h11
